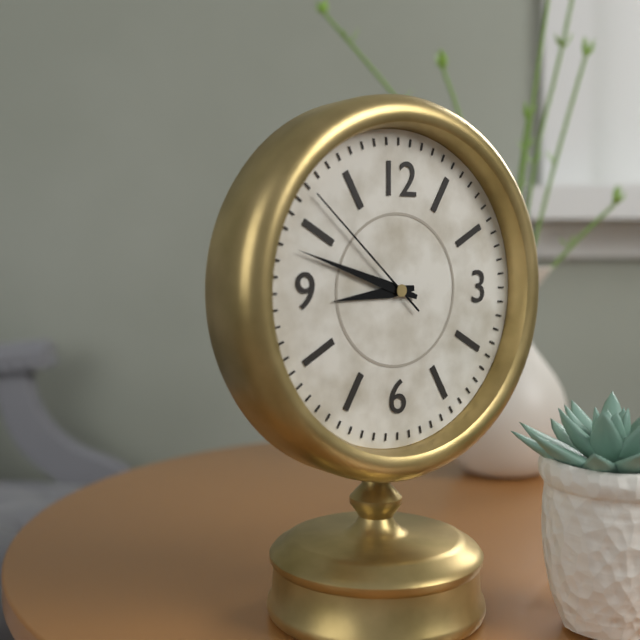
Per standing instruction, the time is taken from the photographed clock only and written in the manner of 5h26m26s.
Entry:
8h48m52s
